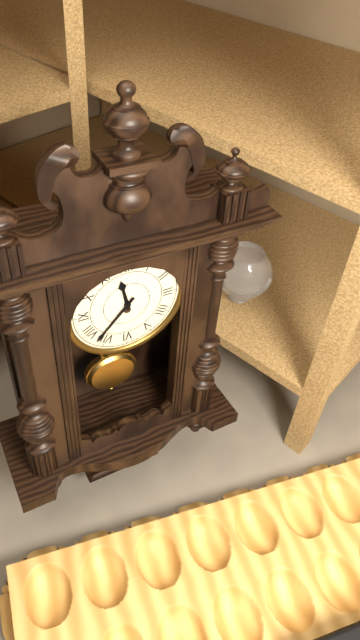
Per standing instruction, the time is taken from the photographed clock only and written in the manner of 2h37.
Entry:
11h37
